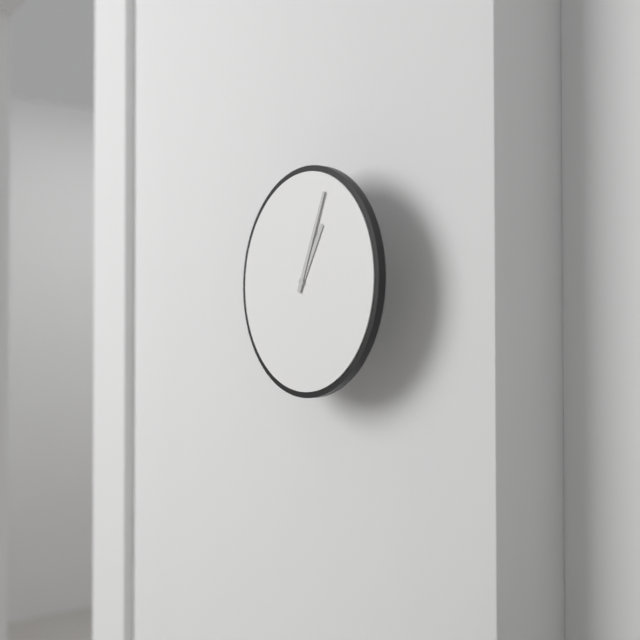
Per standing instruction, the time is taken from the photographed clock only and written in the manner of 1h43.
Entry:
1h04
